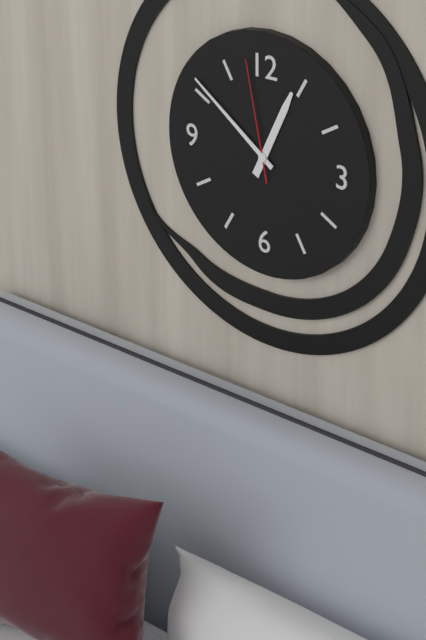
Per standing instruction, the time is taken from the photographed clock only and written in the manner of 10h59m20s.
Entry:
12h51m58s
